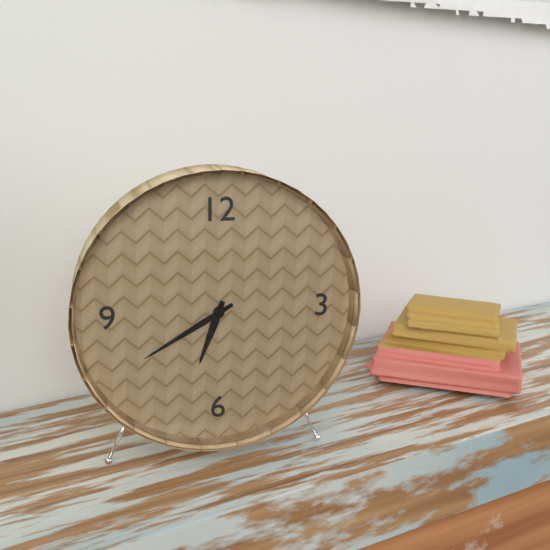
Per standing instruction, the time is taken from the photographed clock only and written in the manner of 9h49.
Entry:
6h40
